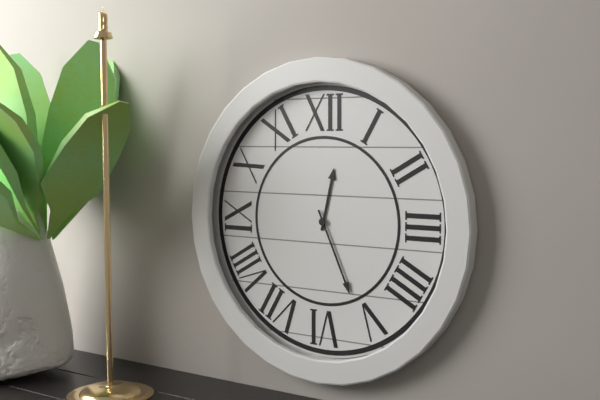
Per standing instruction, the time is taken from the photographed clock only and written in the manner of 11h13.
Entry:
12h26
